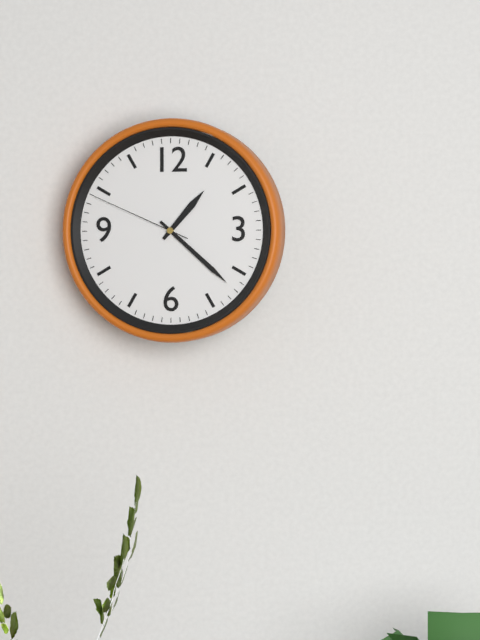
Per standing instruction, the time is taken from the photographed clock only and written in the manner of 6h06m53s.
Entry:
1h22m49s
